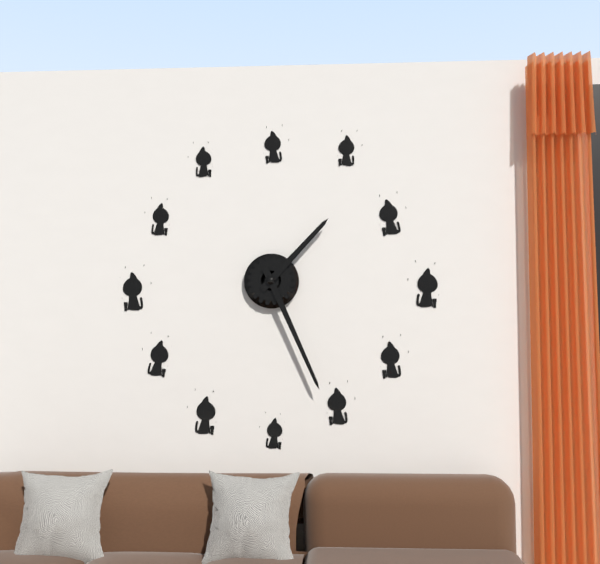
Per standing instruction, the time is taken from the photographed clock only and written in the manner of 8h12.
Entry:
1h26
